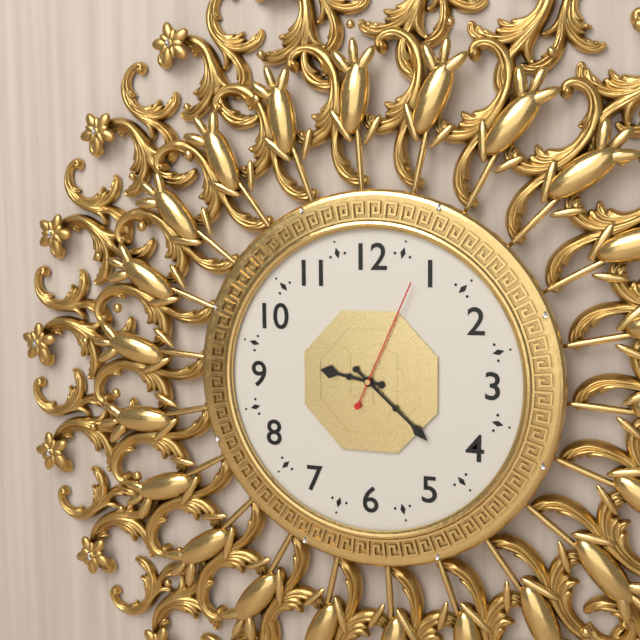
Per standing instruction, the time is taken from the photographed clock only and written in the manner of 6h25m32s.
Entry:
9h22m04s
